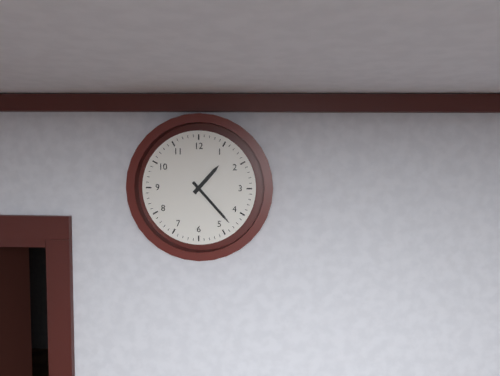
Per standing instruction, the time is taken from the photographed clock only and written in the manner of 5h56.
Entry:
1h23
